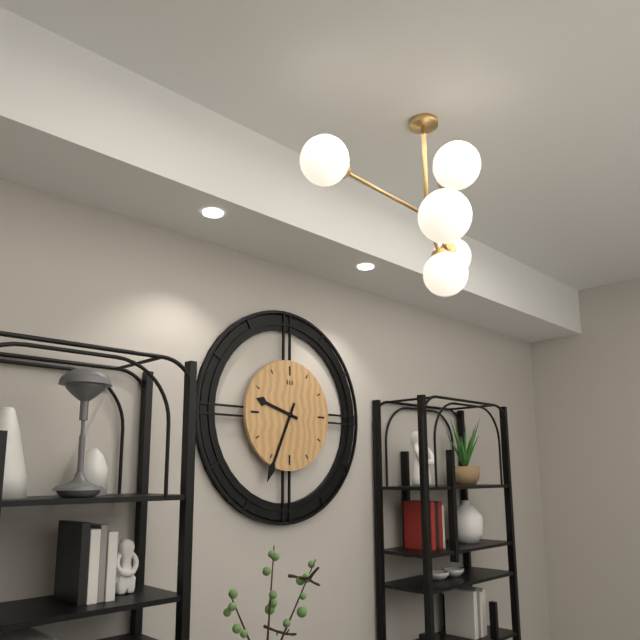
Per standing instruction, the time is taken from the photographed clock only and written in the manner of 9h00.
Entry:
9h34
